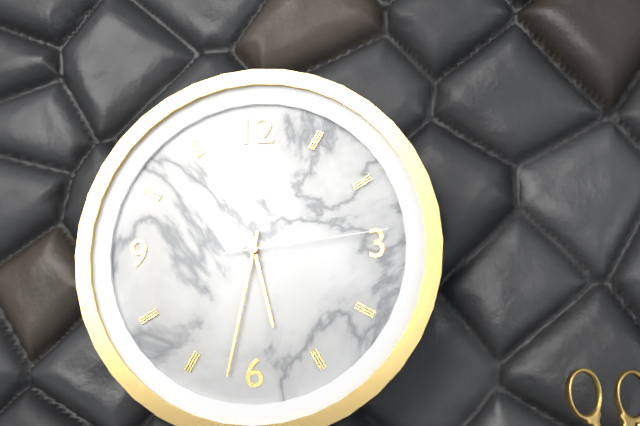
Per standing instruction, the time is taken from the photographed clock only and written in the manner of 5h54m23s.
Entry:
5h32m14s
